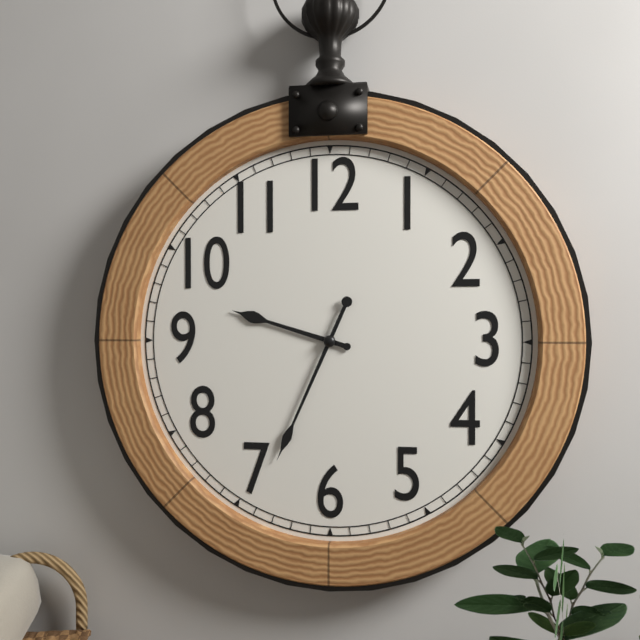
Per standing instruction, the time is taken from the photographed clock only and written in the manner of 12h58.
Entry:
9h34
